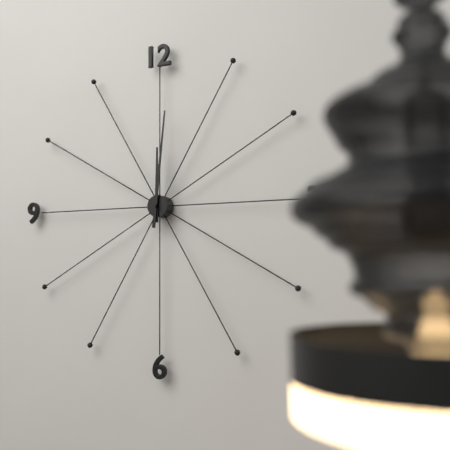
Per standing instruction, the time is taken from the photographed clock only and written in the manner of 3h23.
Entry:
12h01
